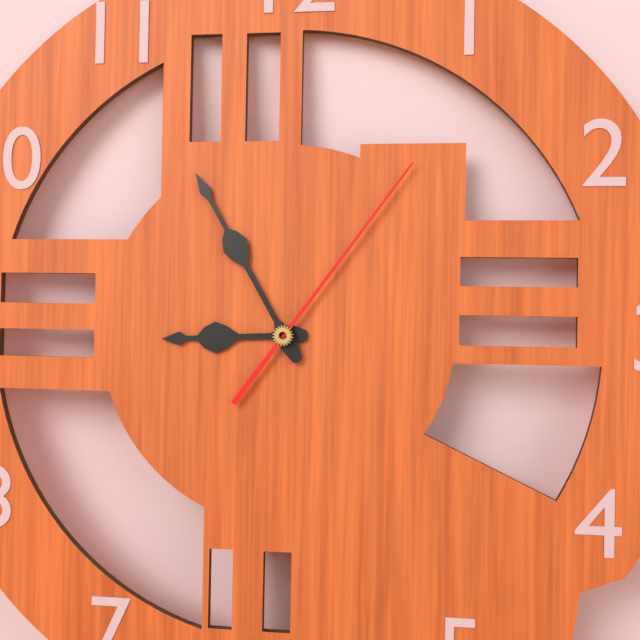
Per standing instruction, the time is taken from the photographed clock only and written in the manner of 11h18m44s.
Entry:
8h55m06s
